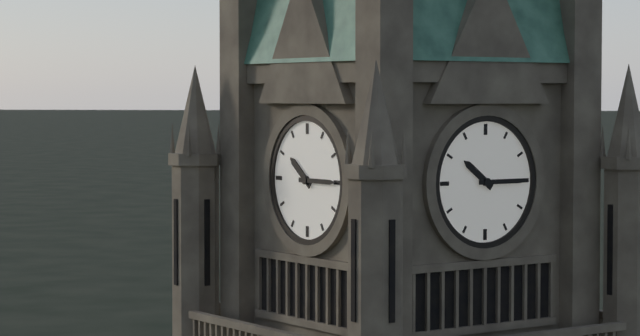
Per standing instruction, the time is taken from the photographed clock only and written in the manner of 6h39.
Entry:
10h15
